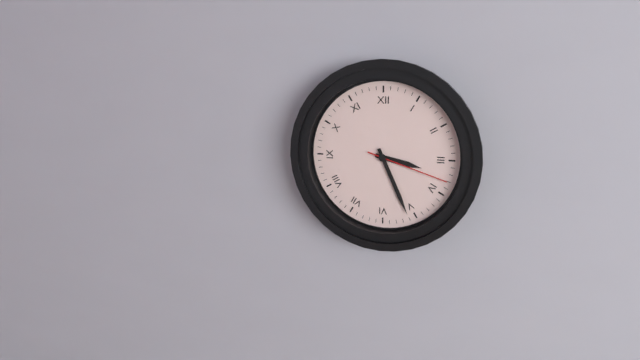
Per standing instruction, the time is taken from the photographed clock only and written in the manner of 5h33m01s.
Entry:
3h26m18s
